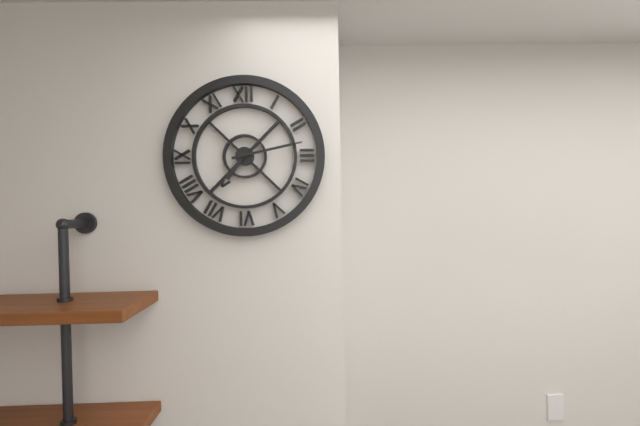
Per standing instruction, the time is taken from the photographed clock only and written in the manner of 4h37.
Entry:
7h13
